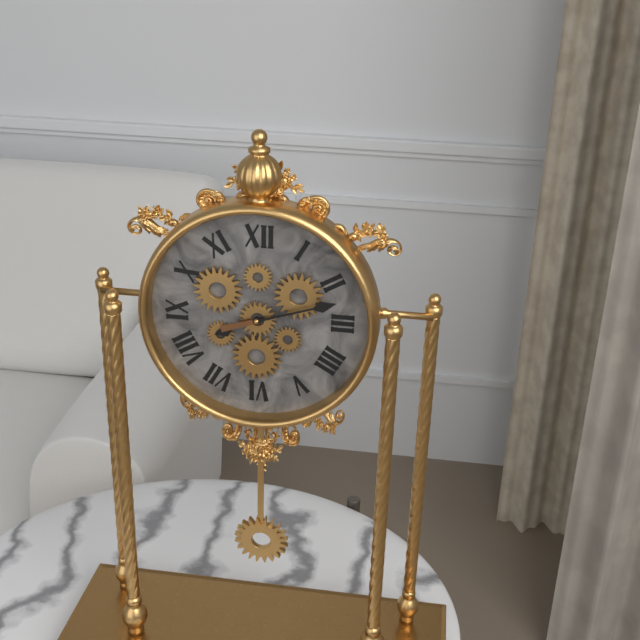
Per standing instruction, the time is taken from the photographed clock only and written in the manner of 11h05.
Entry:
8h12
